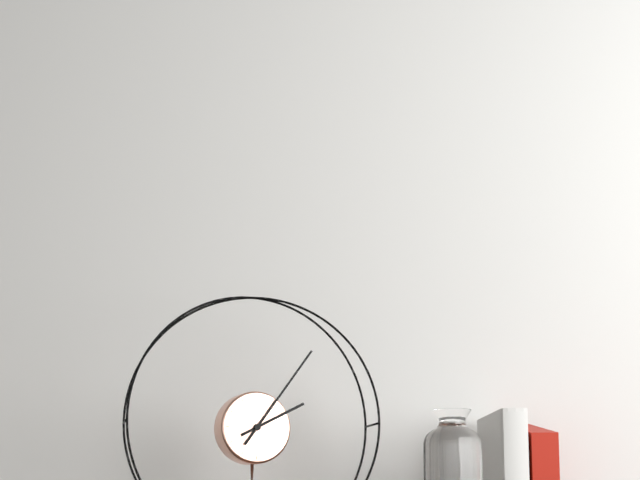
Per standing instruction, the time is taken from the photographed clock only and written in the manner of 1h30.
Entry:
2h06
